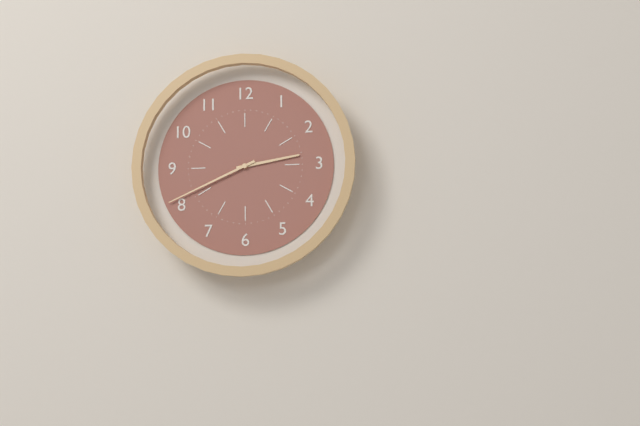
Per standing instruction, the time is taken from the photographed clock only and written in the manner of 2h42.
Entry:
2h41
